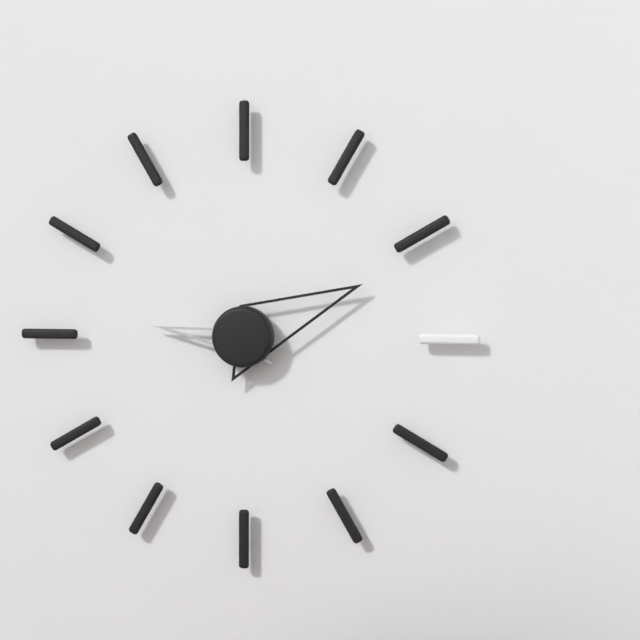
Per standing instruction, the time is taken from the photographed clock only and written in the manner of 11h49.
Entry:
9h11
